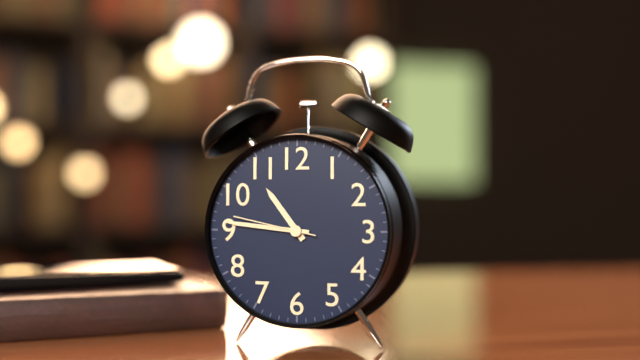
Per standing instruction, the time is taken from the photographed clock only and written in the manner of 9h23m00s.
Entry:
10h46m47s
